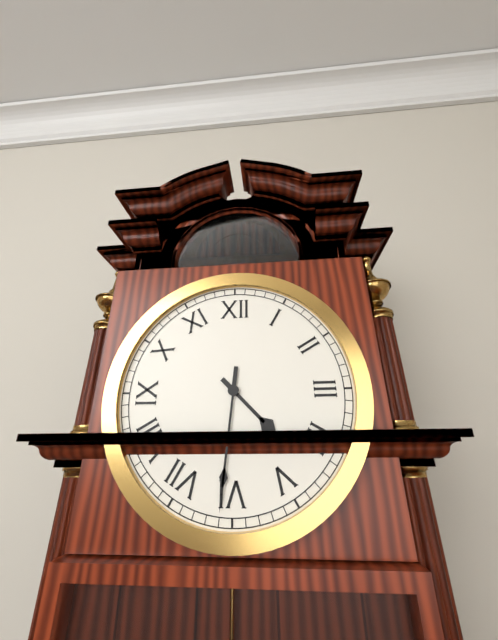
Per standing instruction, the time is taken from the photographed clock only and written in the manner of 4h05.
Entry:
4h31
